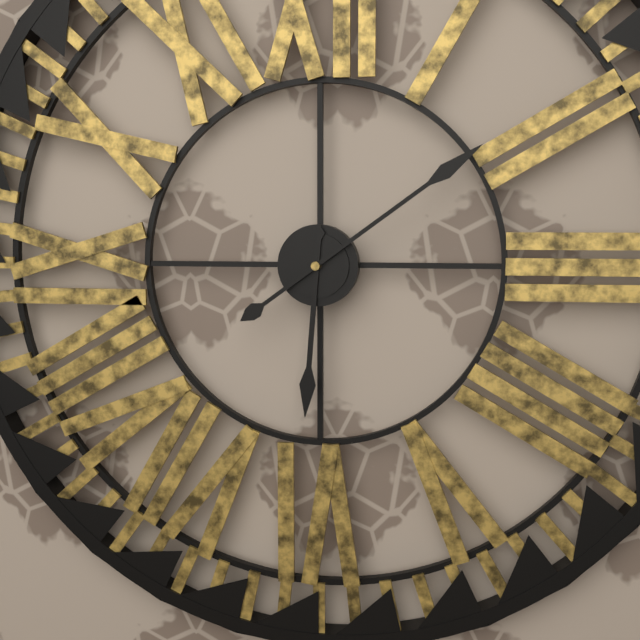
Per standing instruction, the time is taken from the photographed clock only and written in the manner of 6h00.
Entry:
6h09
